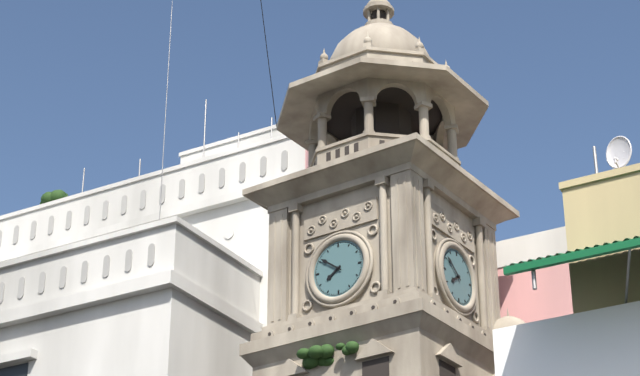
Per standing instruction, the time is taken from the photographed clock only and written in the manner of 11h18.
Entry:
7h51
